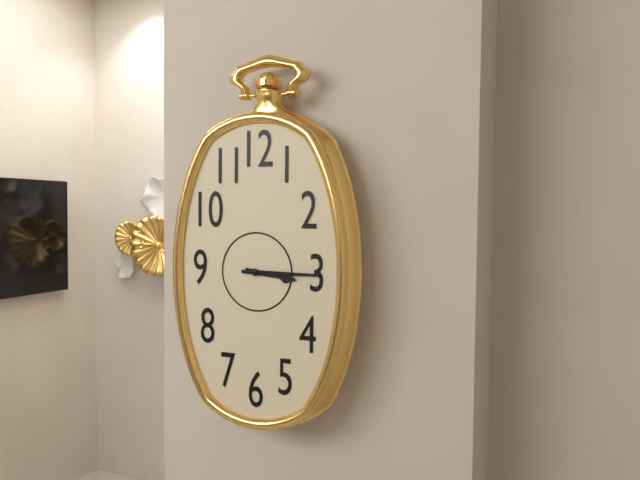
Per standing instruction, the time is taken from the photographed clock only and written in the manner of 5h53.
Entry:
3h15
